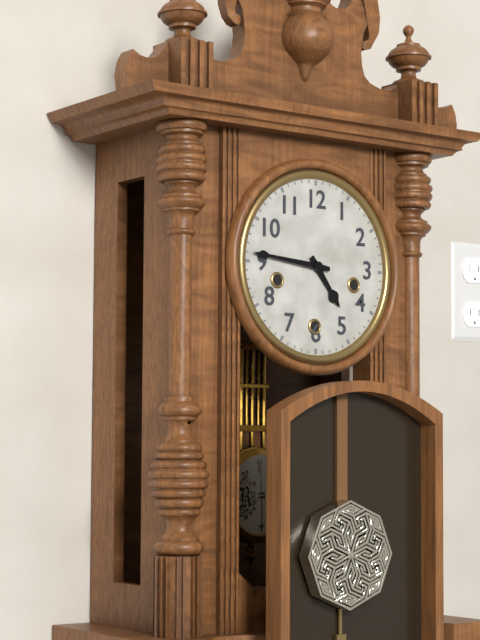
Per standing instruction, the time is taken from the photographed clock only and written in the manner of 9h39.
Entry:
4h46
